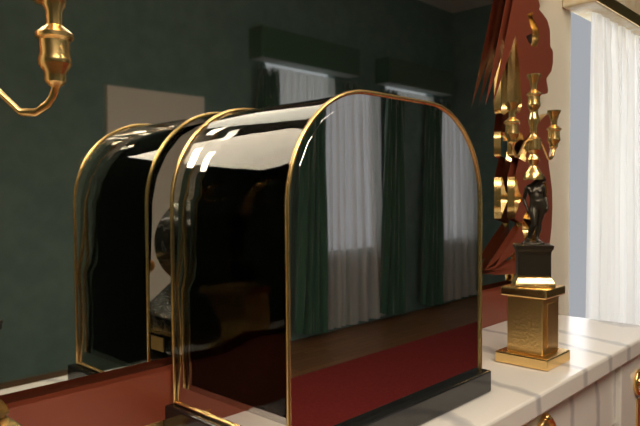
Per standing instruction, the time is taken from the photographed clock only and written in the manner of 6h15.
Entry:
2h50
